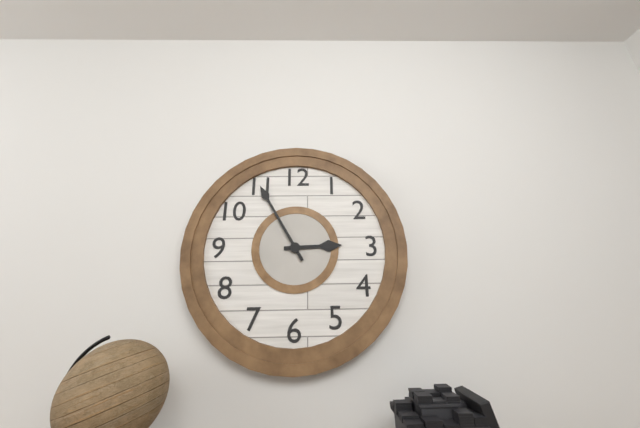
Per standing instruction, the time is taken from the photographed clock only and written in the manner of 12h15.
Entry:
2h55
